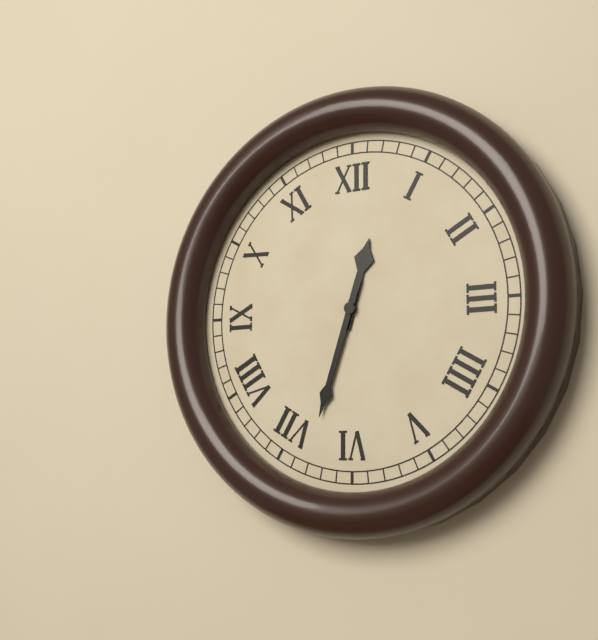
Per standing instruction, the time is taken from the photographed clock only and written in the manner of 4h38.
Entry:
12h33
